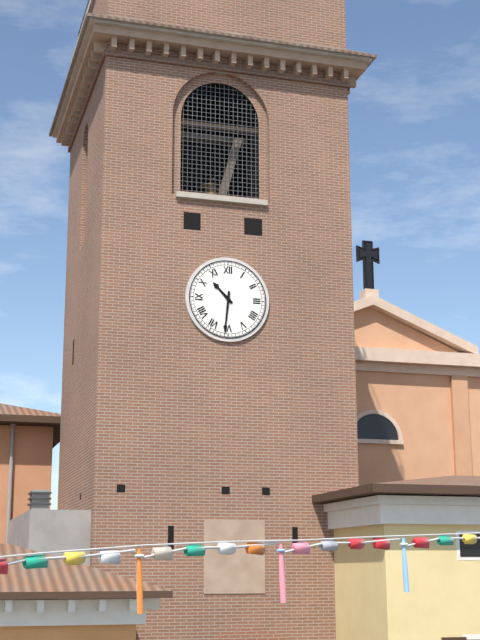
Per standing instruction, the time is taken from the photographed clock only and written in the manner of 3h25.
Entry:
10h31
